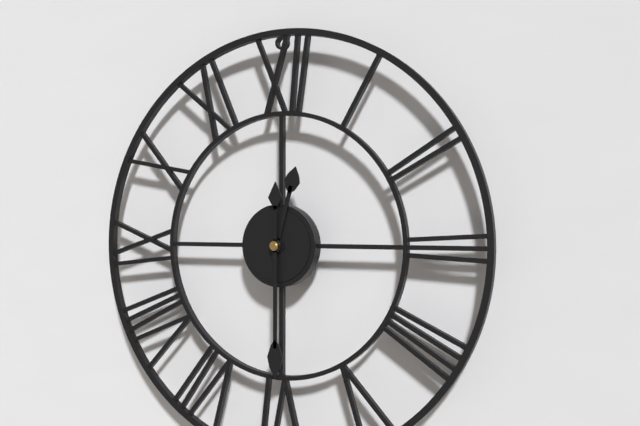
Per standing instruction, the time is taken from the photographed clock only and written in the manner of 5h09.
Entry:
12h30
